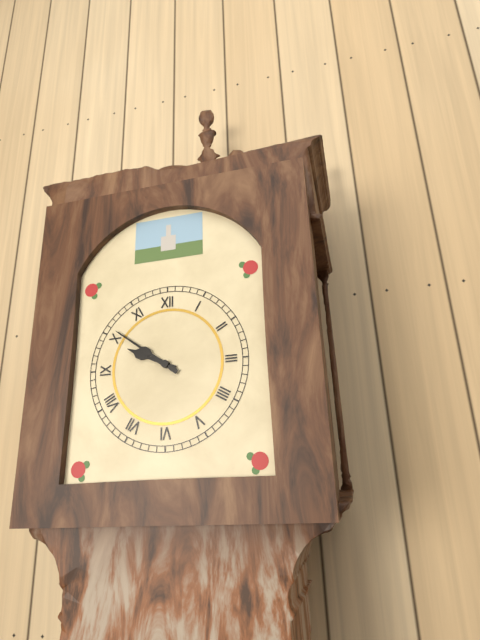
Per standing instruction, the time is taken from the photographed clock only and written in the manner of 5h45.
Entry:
9h51
